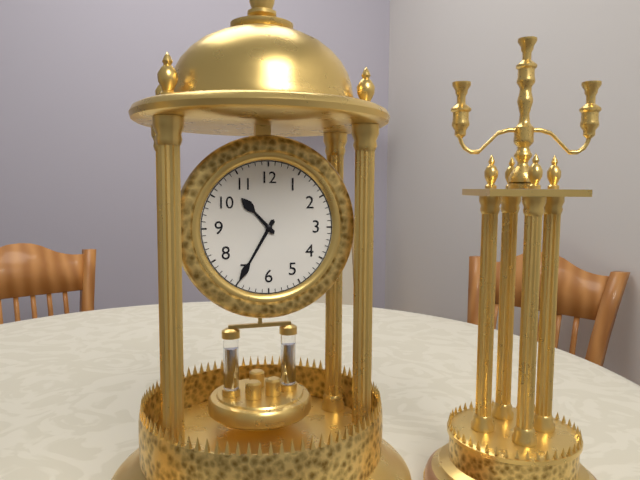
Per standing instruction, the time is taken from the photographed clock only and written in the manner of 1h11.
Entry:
10h35
